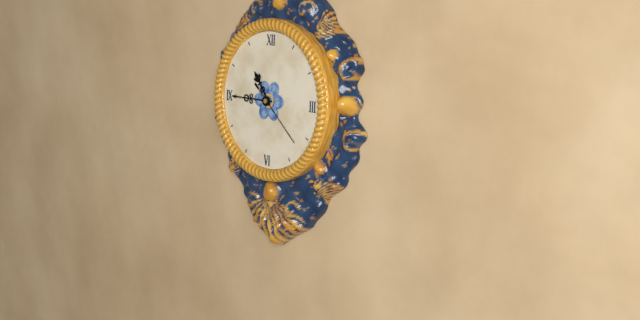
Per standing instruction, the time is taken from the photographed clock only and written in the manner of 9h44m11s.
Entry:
10h45m22s
